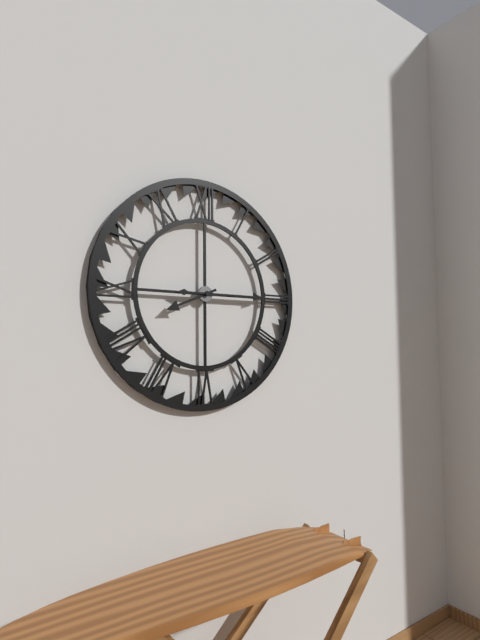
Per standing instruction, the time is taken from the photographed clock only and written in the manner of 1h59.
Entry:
8h15
